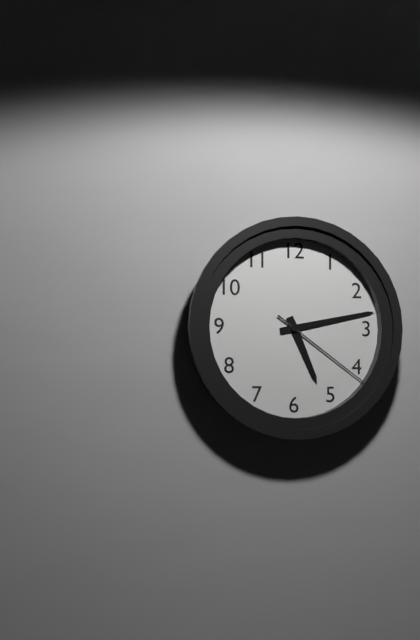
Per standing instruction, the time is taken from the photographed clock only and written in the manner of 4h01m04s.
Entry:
5h13m21s
